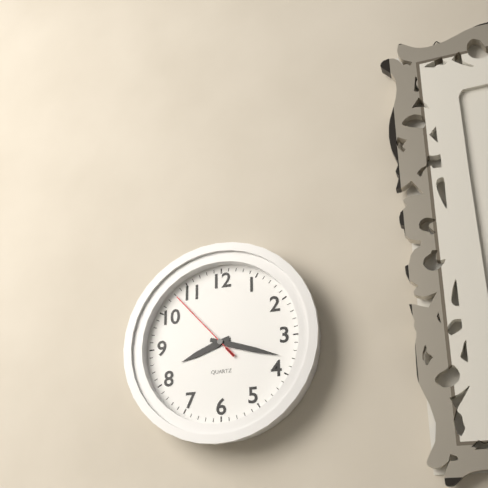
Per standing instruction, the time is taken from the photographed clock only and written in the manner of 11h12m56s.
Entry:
8h18m53s
